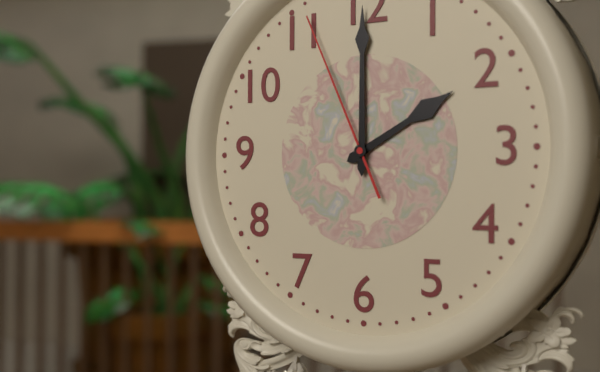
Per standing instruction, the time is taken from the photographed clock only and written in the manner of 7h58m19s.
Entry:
2h00m56s
